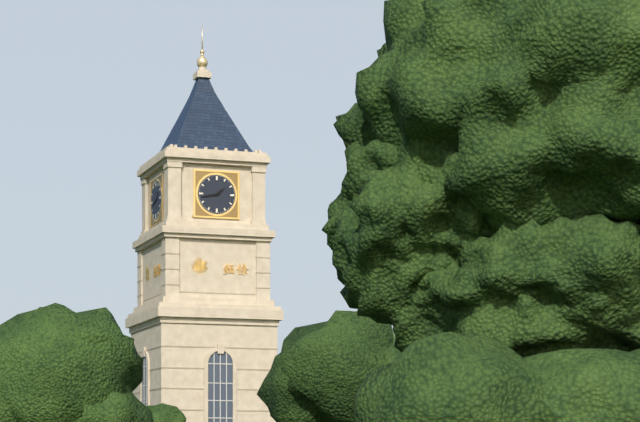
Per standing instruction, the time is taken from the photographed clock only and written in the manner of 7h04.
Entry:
1h43
